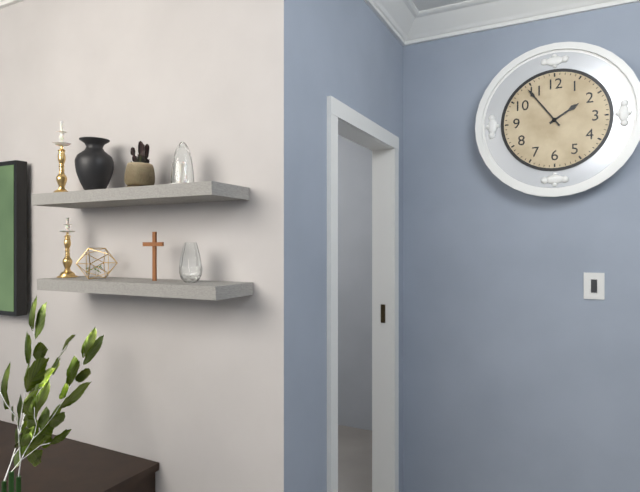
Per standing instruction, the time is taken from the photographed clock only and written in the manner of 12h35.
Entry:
1h54
